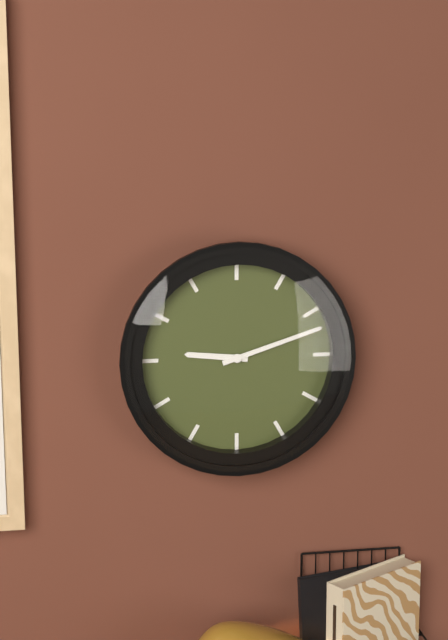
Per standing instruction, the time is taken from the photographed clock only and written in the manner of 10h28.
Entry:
9h12
